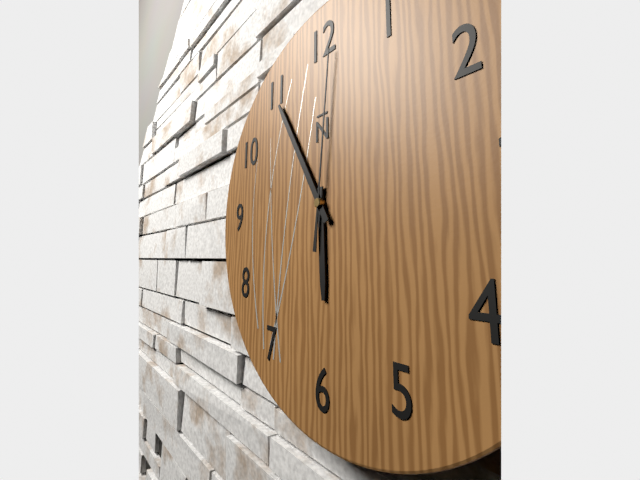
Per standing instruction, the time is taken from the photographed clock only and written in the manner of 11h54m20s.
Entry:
5h55m01s
